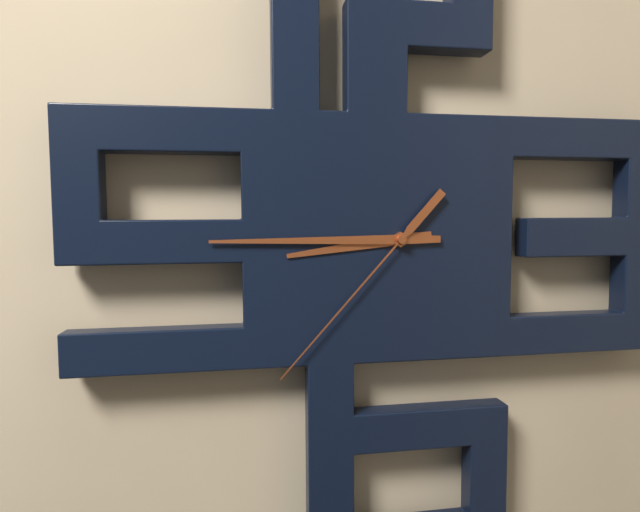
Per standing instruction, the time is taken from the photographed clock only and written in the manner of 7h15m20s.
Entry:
8h45m37s
